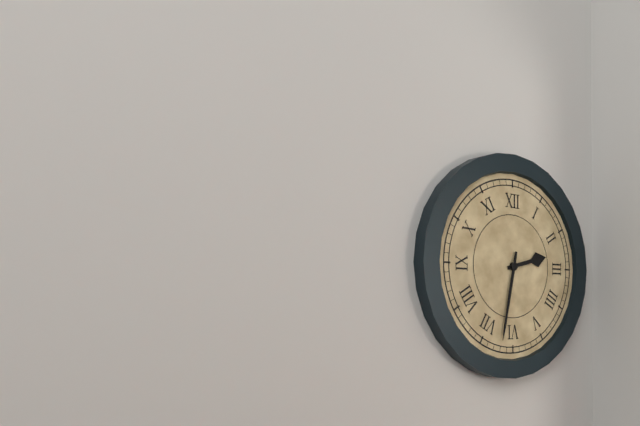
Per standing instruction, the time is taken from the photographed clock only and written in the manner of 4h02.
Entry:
2h32
